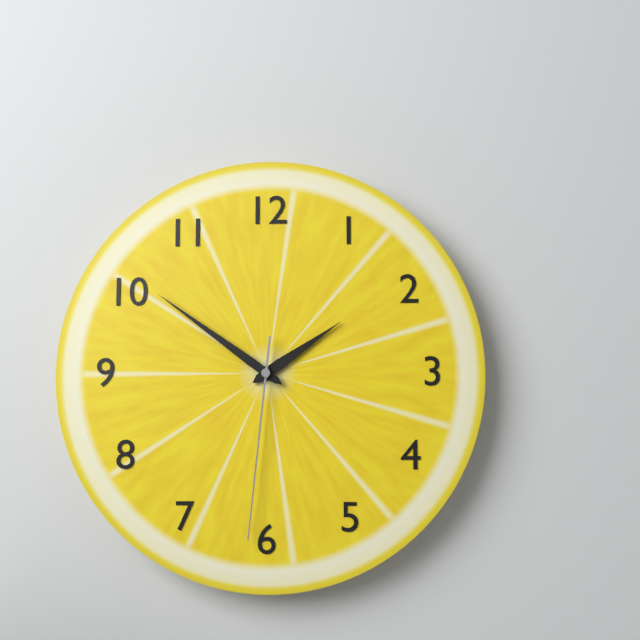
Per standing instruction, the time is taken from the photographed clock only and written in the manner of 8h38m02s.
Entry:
1h51m31s
